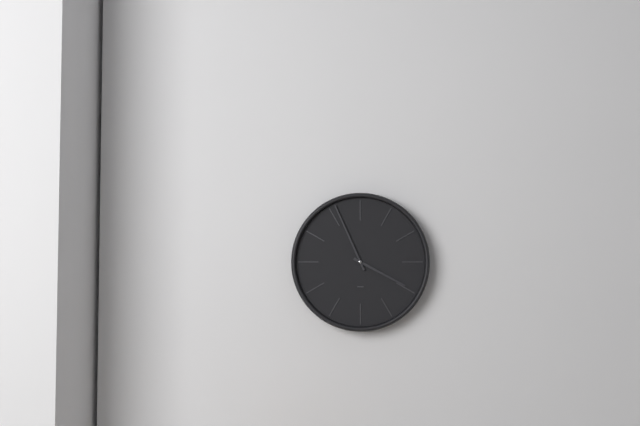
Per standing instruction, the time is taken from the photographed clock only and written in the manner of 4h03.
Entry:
3h56
